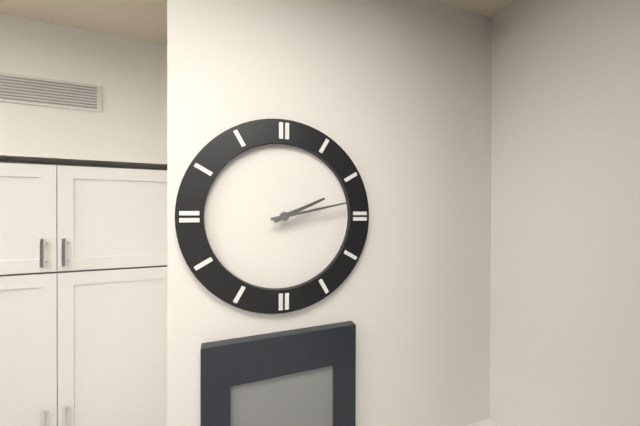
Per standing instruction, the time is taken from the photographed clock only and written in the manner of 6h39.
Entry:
2h13
